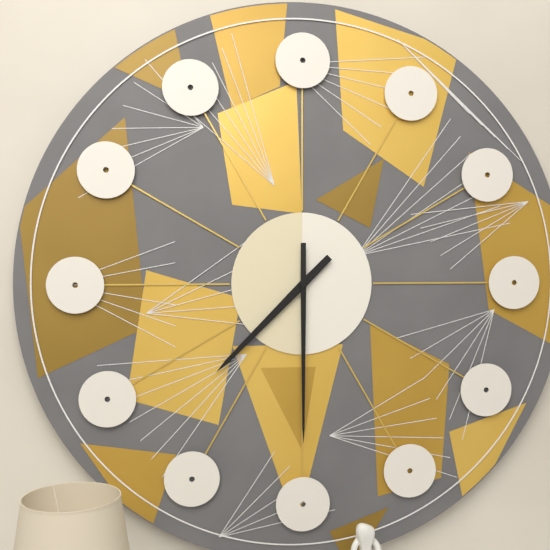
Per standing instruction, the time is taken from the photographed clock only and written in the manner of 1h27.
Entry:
7h30
